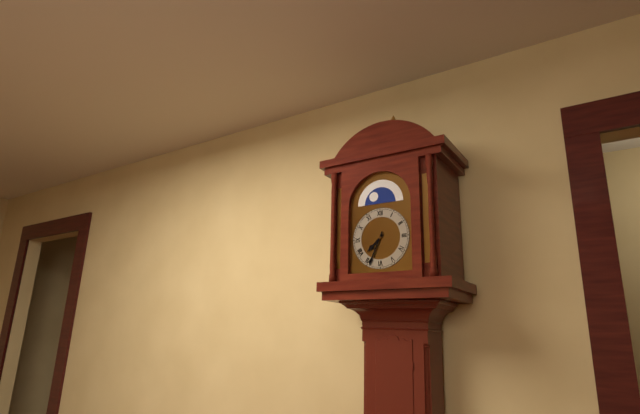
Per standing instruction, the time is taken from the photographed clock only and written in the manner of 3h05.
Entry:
7h34
